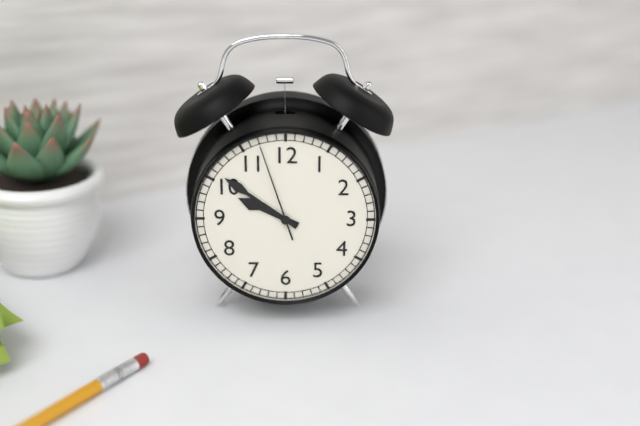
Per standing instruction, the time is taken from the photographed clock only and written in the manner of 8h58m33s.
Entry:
9h51m57s
